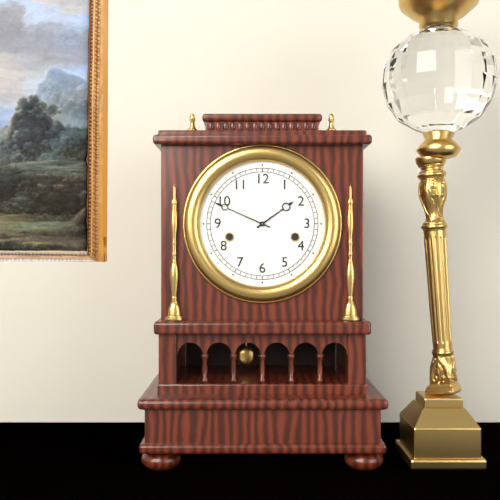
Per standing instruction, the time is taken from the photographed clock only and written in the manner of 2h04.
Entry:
1h49
